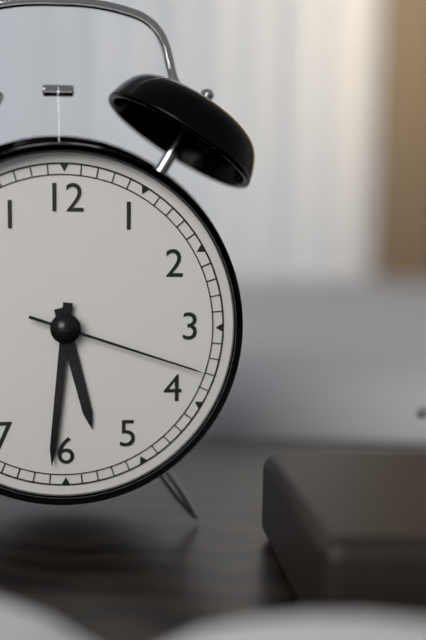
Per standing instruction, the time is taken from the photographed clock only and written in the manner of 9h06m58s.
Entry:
5h31m18s
